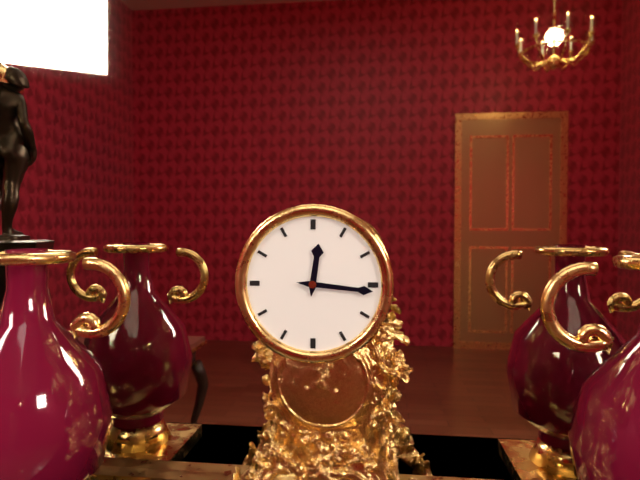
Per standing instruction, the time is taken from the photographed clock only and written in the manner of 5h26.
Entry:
12h16
